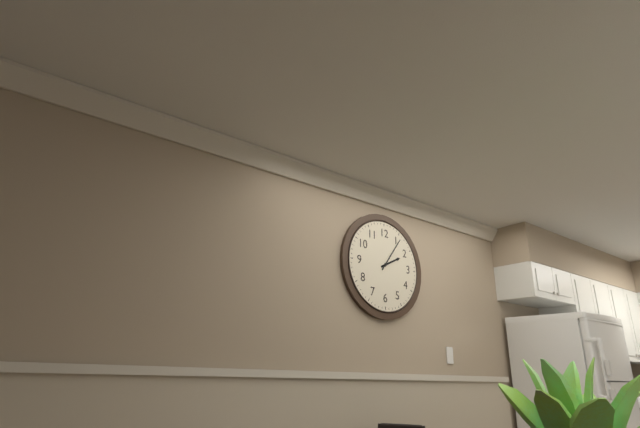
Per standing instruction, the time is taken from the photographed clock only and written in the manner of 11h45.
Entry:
2h06
